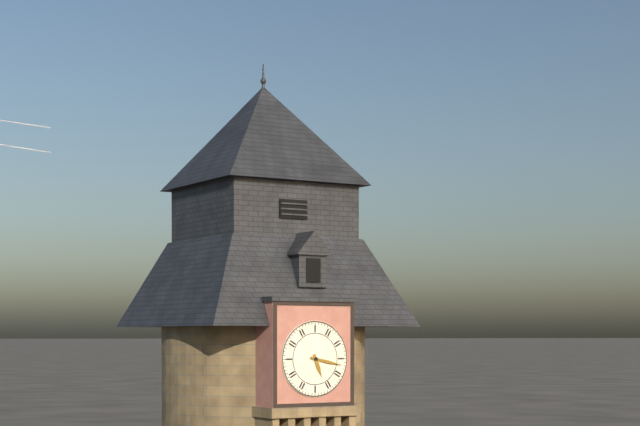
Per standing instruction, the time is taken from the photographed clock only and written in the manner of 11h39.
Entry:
5h17
